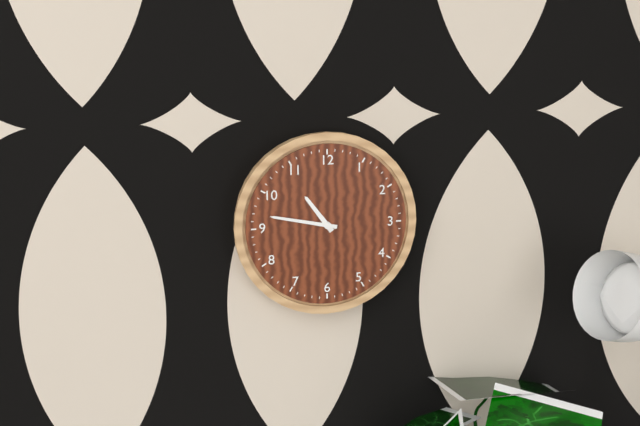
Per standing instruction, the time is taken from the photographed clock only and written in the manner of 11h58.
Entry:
10h47
